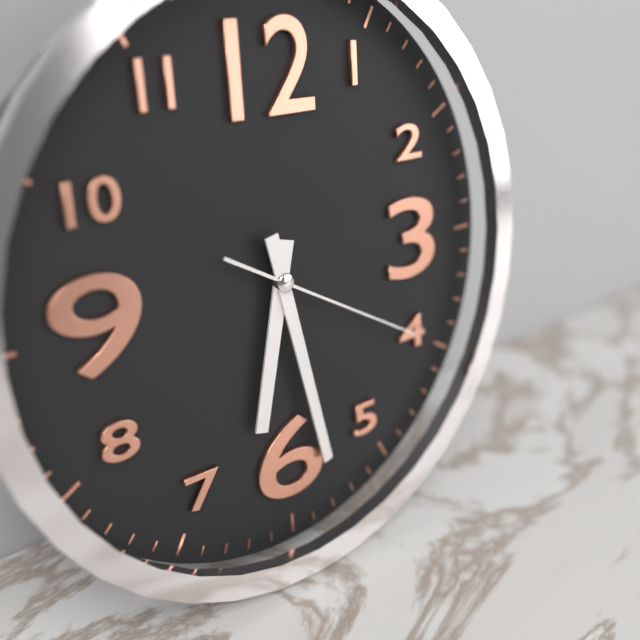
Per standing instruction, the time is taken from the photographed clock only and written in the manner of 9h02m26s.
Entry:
6h28m20s
